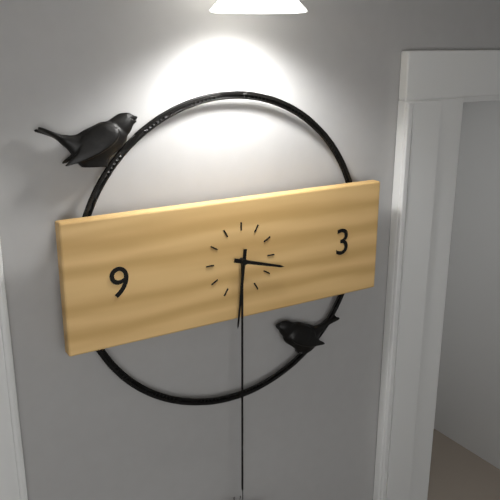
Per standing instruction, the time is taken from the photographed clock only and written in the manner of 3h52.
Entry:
3h31
